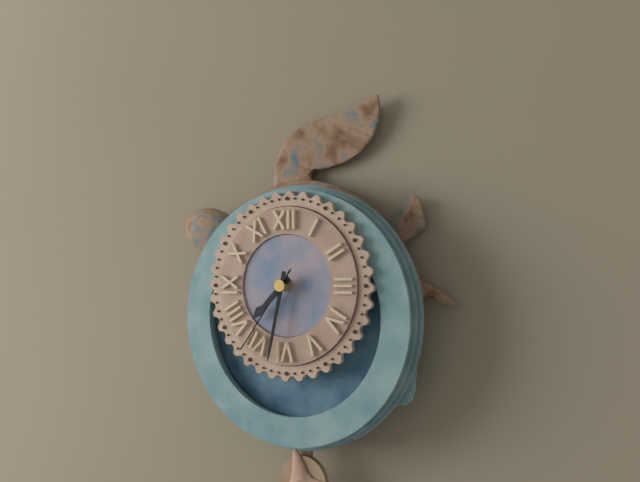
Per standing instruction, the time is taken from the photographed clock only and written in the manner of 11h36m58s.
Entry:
7h32m36s
